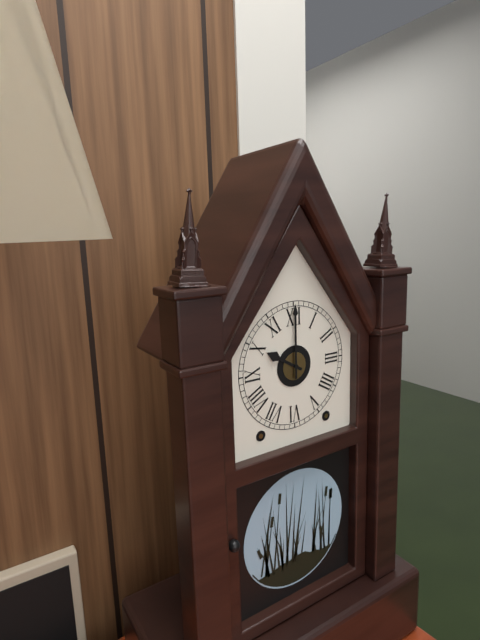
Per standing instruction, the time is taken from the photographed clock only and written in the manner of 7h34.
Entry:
10h00
